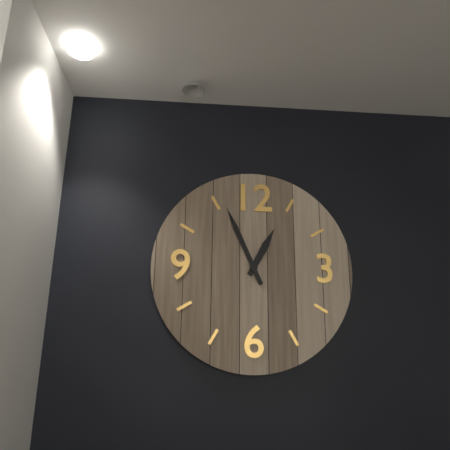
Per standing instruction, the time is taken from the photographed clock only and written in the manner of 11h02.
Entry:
12h56
